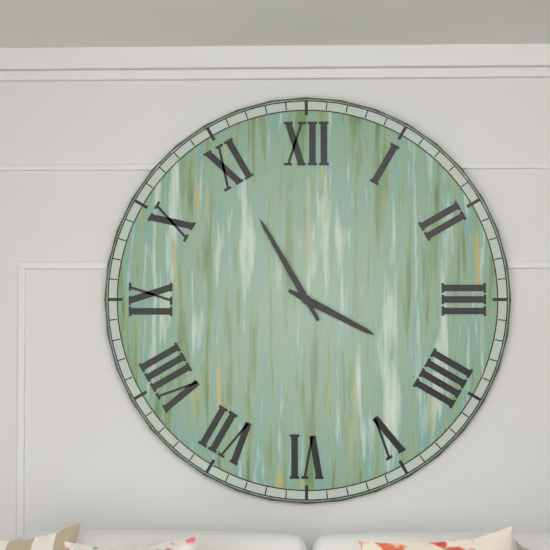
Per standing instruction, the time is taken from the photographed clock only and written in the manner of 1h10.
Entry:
3h55
